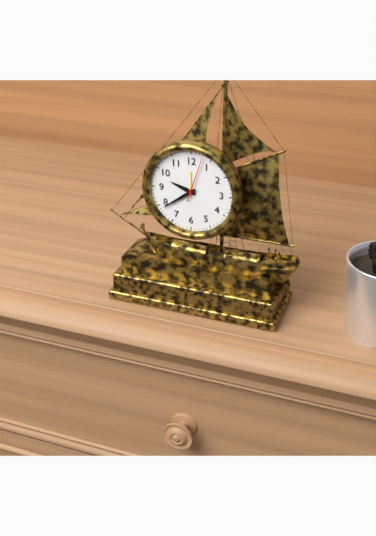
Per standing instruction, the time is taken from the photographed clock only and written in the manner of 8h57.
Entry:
9h39
